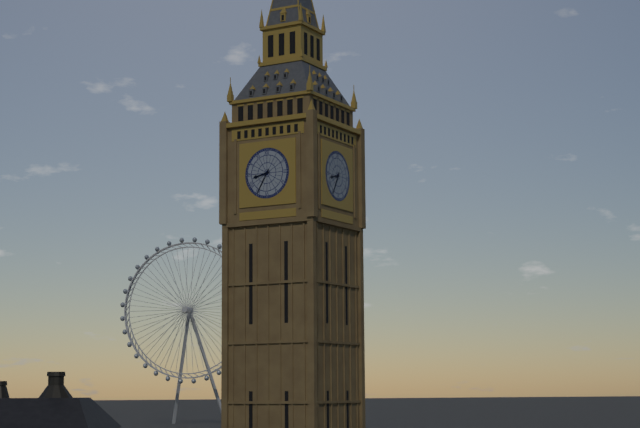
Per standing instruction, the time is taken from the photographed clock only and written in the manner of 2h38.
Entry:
8h35
